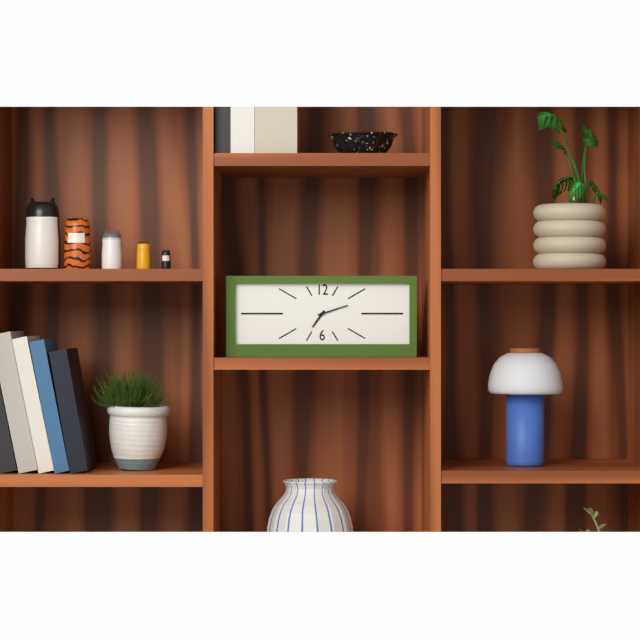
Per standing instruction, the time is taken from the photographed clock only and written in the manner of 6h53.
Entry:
7h12
